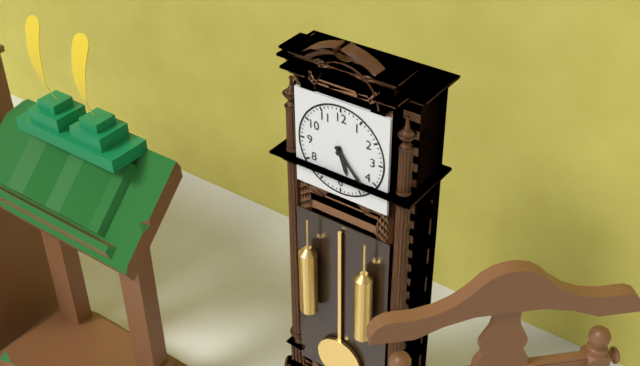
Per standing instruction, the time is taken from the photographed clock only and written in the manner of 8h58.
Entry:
5h23
